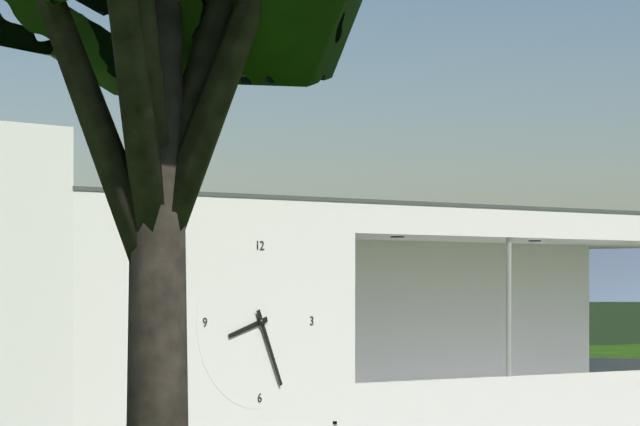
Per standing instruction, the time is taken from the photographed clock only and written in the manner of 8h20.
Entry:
8h26
